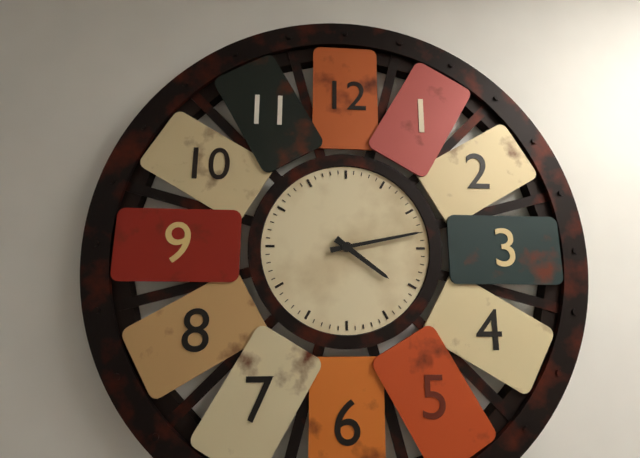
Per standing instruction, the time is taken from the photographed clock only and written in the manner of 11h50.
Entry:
4h13
